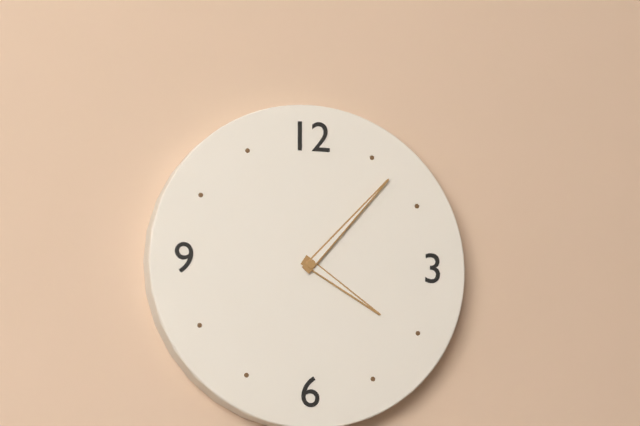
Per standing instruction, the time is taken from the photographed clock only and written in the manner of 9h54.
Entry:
4h07
